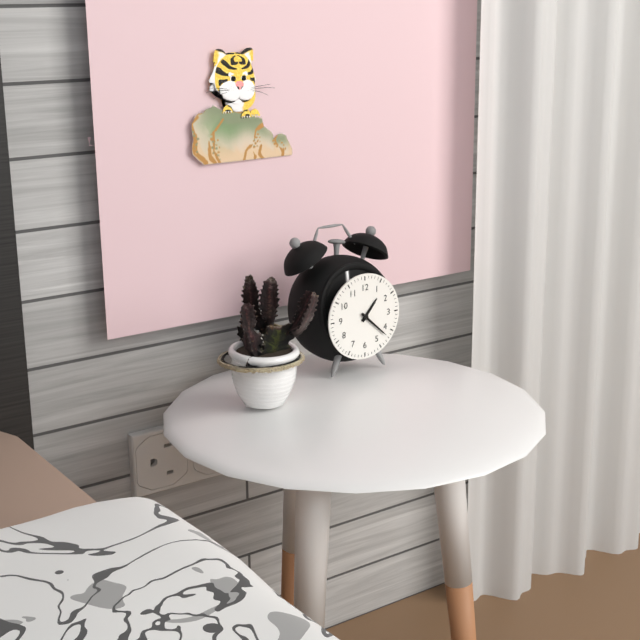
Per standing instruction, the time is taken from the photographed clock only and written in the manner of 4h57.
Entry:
1h22
